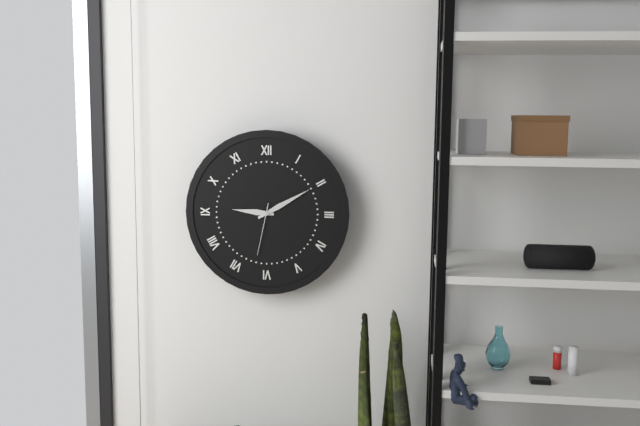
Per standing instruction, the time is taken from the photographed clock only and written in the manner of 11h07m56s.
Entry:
9h10m32s
